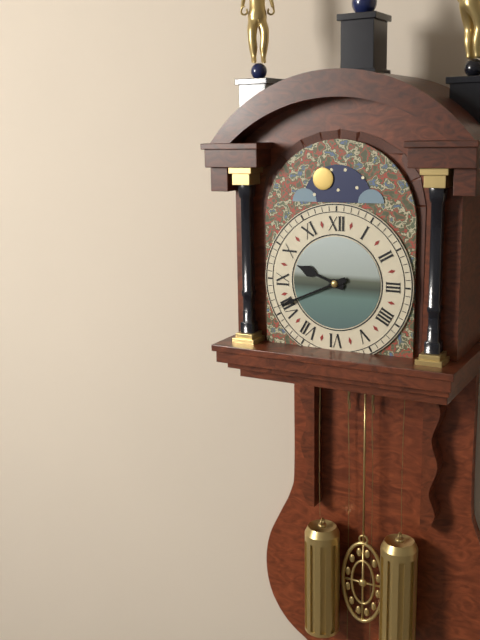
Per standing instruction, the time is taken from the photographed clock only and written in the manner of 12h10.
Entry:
9h41
